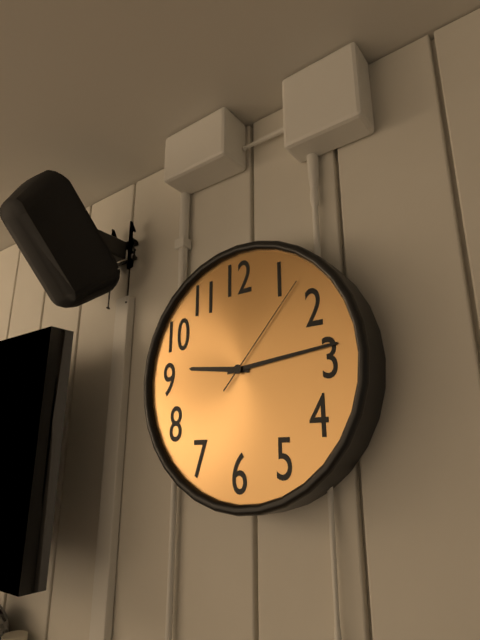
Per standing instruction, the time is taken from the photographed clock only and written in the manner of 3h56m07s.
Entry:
9h14m07s
